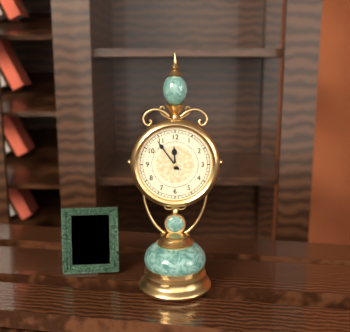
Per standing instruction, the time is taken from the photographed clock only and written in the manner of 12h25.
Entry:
11h54
